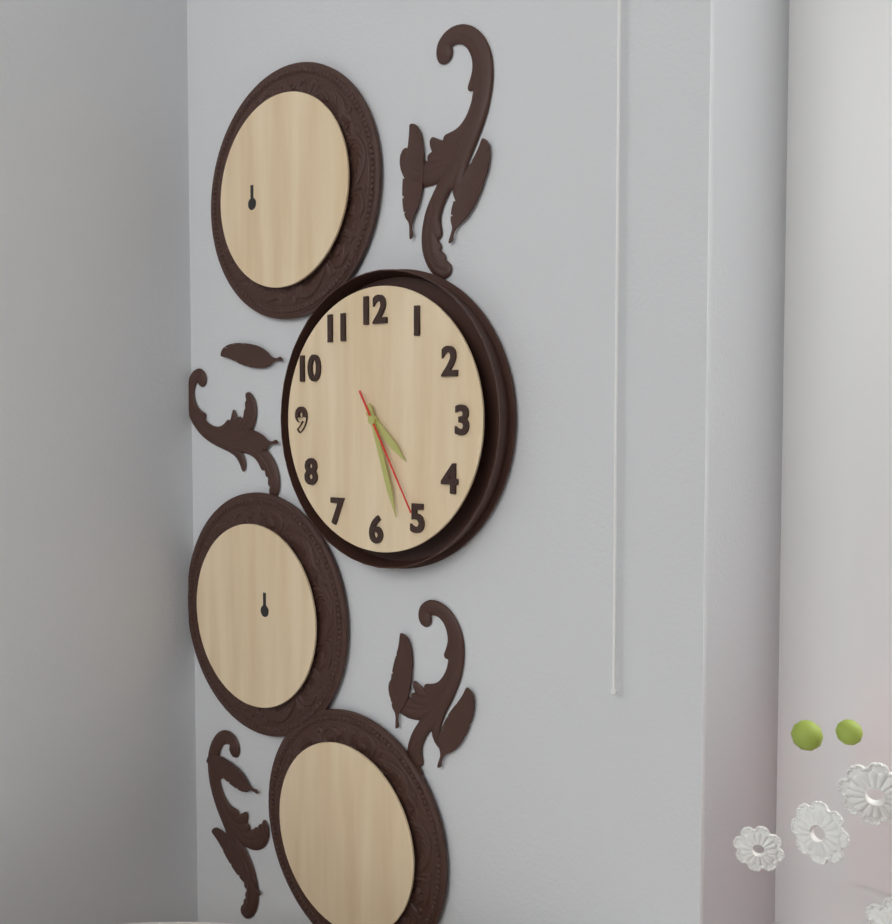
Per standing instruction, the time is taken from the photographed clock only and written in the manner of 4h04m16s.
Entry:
4h27m25s
